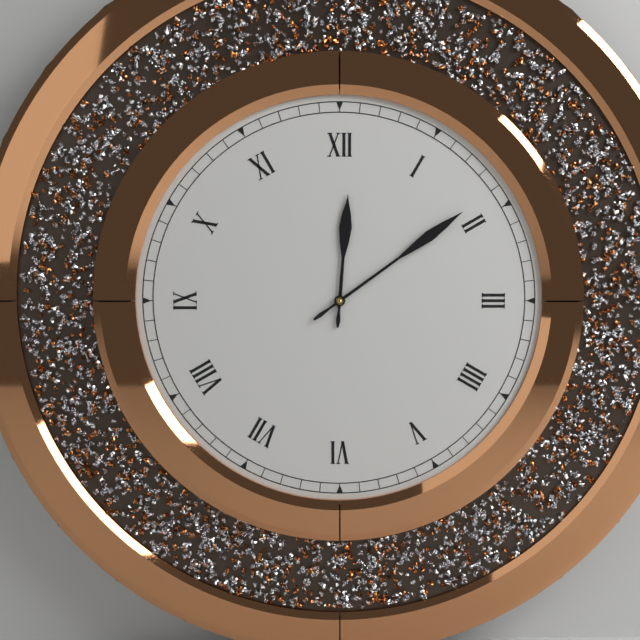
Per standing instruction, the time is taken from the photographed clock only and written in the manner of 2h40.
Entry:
12h09
